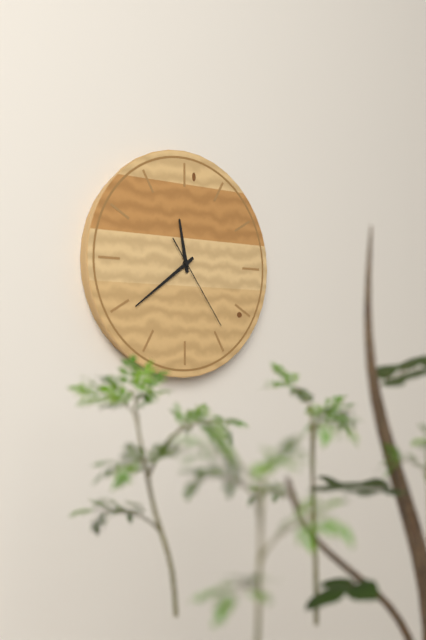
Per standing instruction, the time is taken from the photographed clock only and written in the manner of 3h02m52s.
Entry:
11h39m24s
